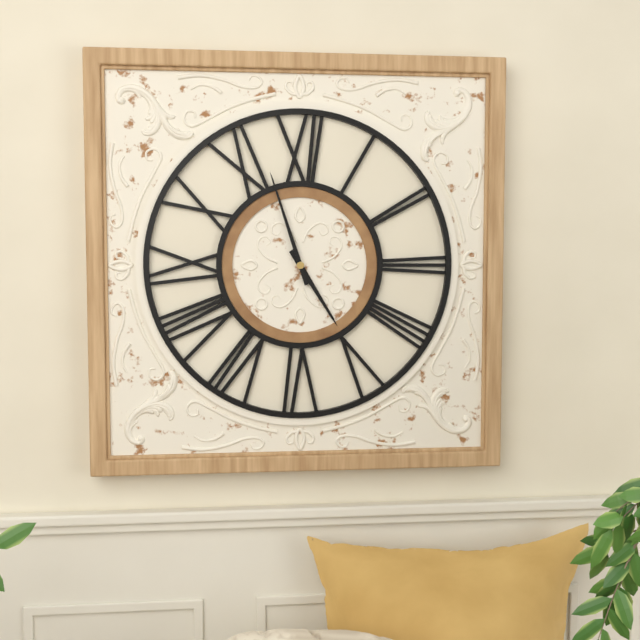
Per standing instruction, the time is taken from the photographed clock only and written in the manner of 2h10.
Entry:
4h57
